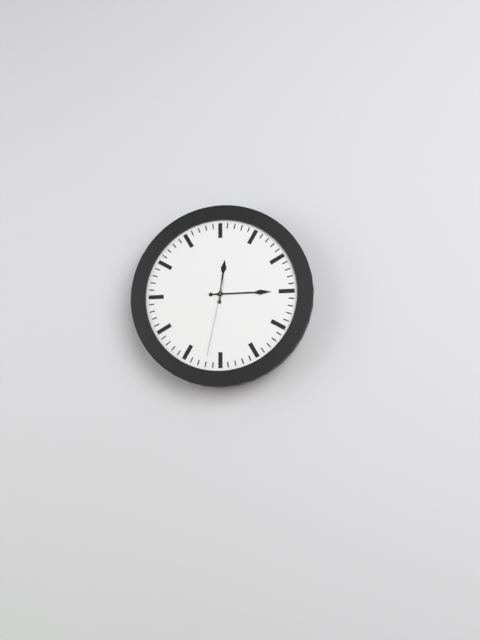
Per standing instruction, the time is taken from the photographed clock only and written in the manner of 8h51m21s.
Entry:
12h15m32s
